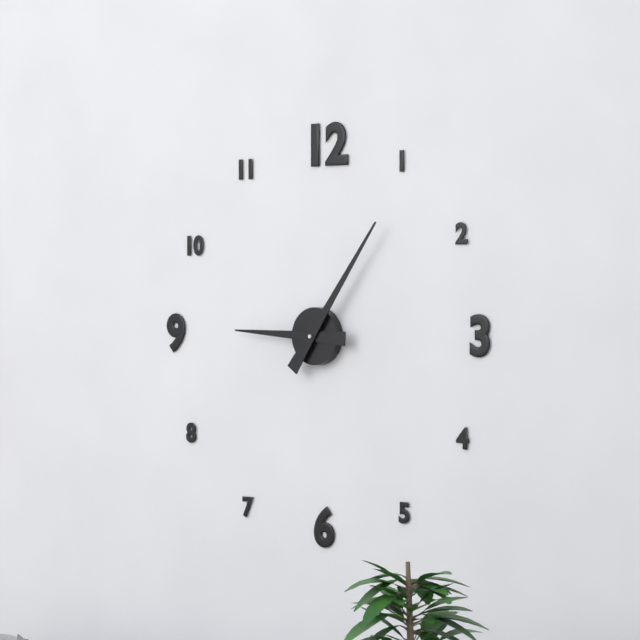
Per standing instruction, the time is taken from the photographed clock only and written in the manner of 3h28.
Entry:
9h06
